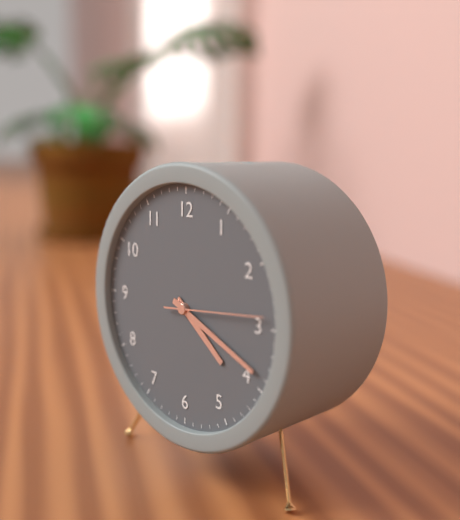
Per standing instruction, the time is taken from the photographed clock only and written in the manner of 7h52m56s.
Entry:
4h19m14s
